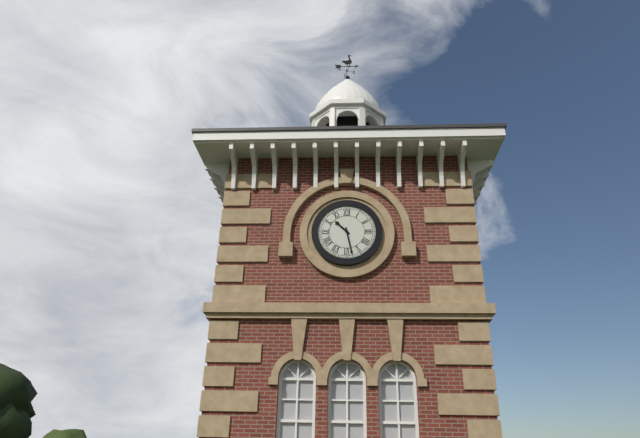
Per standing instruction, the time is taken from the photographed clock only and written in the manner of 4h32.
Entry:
10h28
